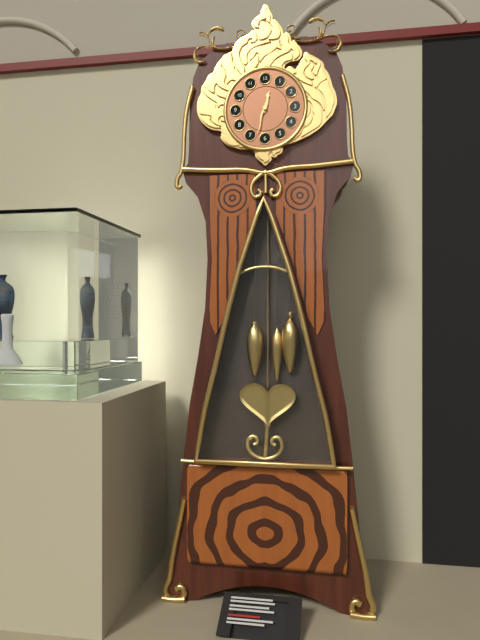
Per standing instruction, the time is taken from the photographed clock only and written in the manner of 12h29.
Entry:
12h33
